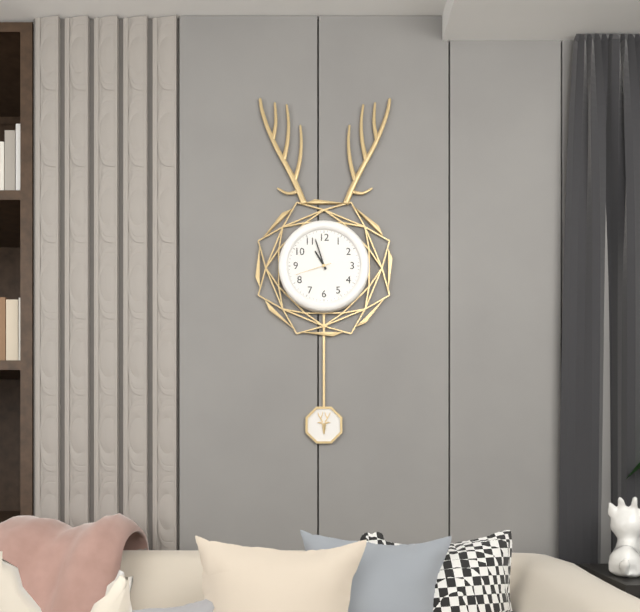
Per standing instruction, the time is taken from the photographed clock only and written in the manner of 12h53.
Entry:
10h57
